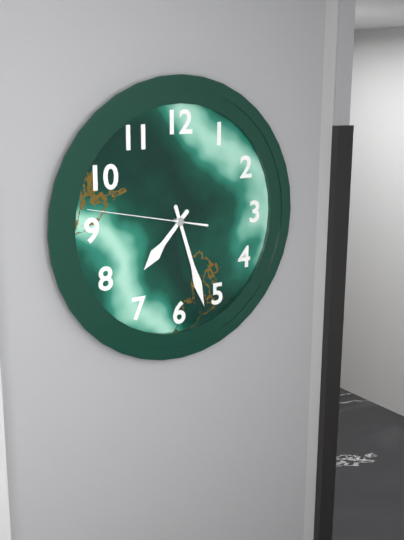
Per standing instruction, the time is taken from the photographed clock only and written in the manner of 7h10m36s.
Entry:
7h27m47s
